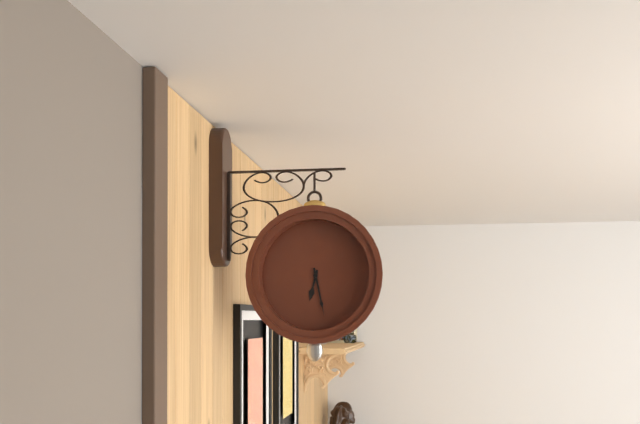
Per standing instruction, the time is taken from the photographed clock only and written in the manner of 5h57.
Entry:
6h28
